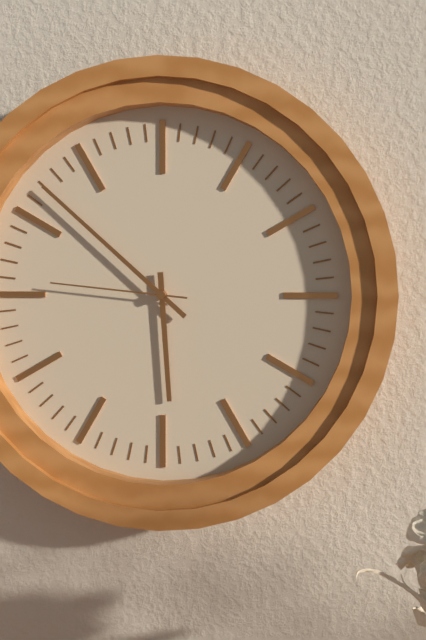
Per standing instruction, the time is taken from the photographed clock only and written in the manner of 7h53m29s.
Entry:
5h52m46s
